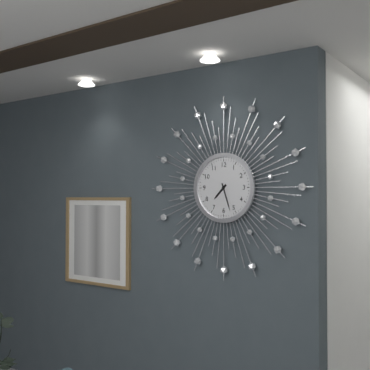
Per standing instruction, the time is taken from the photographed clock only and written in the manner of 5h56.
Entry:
7h27
